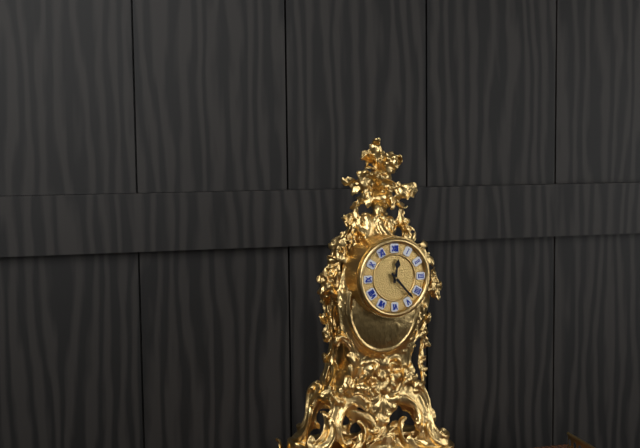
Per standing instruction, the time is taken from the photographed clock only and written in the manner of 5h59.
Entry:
12h23
